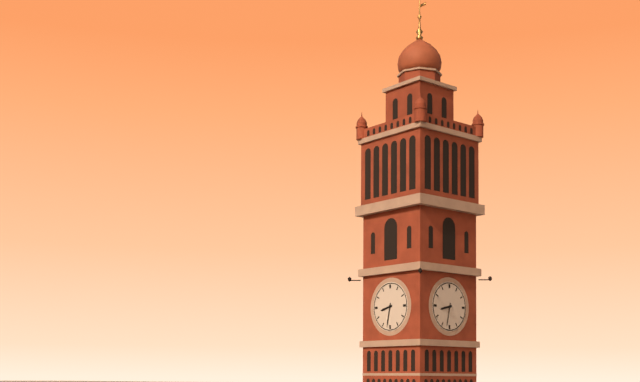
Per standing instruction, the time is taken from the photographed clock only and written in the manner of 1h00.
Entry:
8h32
